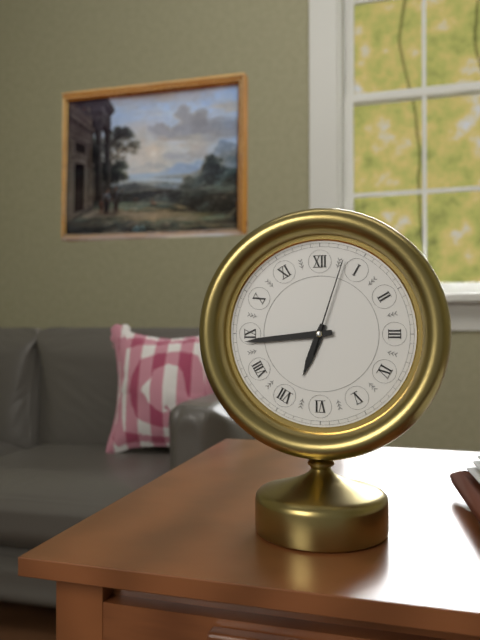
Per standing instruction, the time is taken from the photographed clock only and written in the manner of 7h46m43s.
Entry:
6h44m03s
